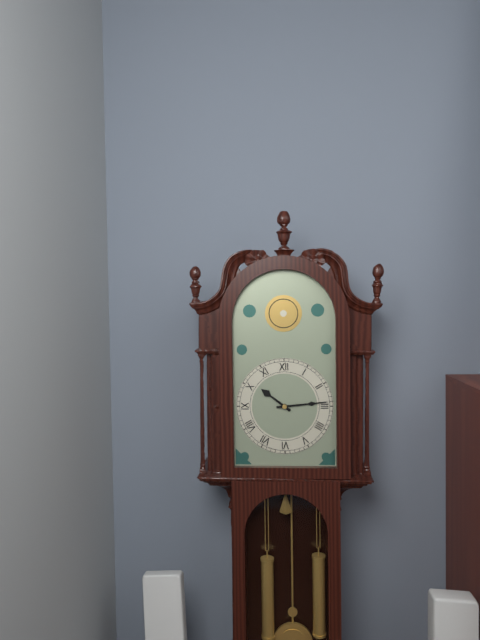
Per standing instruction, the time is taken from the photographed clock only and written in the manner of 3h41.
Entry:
10h14
